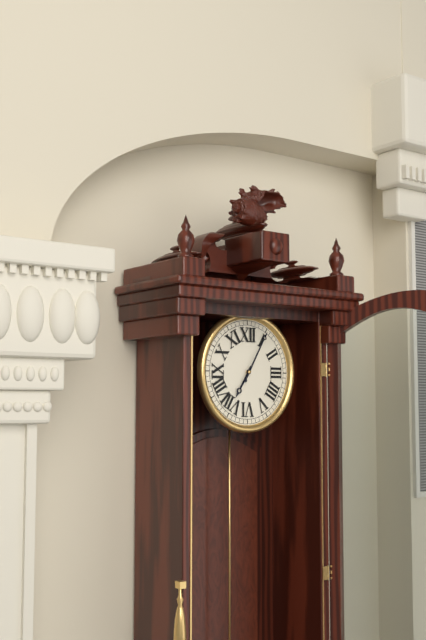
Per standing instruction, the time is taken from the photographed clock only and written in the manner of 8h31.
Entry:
7h05
